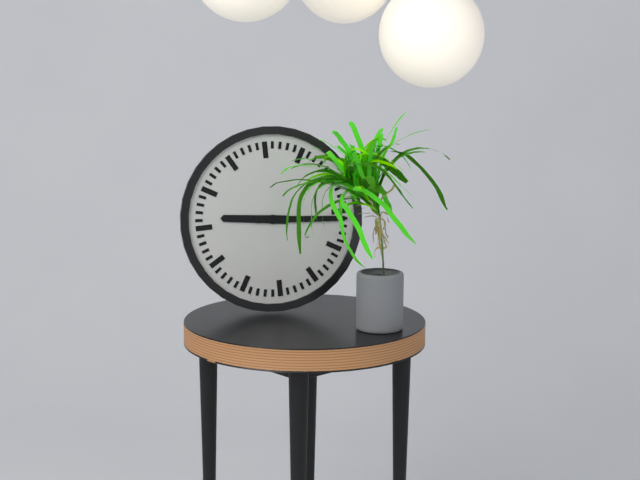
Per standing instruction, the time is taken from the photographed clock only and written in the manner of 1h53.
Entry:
9h16
